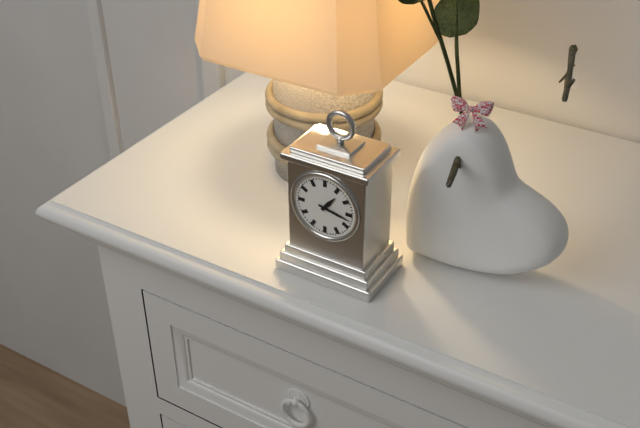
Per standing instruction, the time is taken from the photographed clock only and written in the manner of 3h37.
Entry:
1h17
